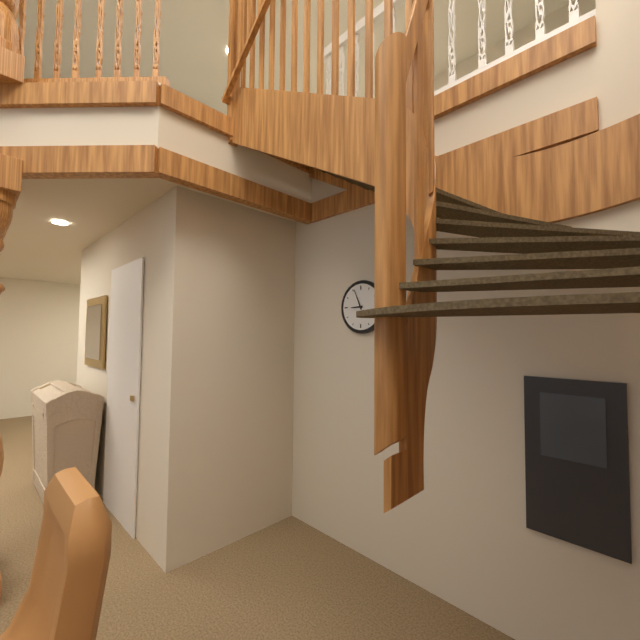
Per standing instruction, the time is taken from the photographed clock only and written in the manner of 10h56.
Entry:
8h56
